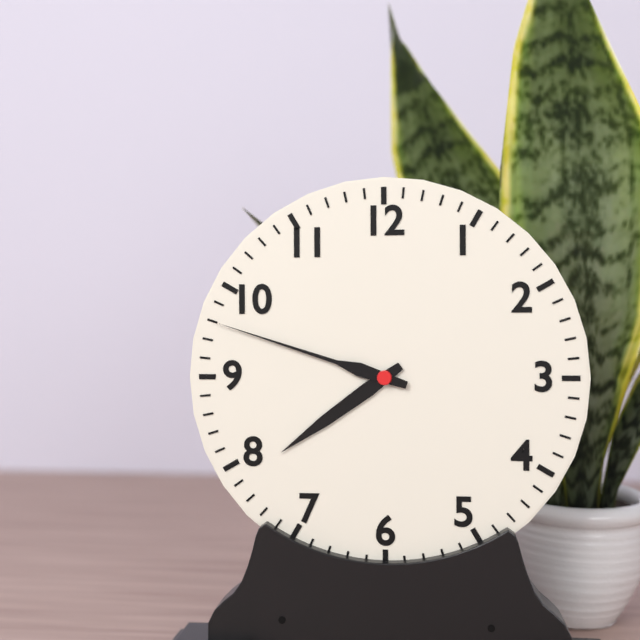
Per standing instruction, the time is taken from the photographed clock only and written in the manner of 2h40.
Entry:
7h48
